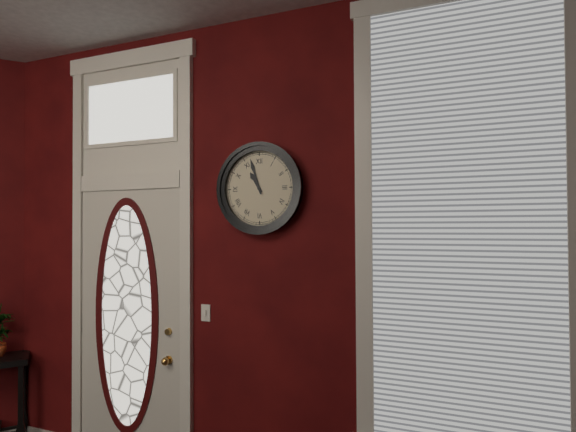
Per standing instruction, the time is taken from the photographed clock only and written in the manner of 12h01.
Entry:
10h57
